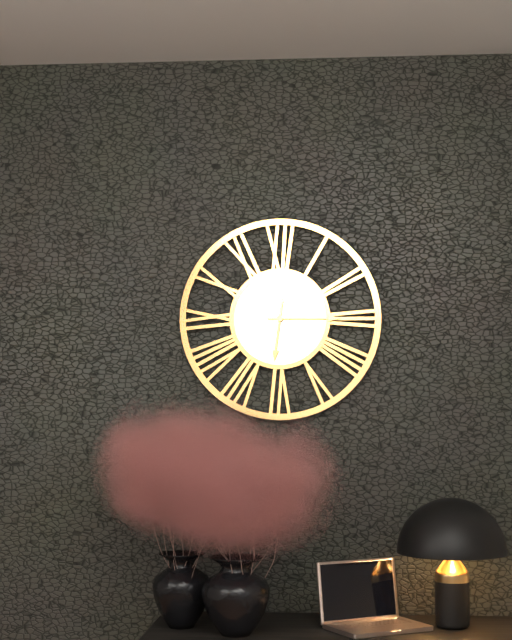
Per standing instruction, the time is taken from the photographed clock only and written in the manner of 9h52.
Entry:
6h15
